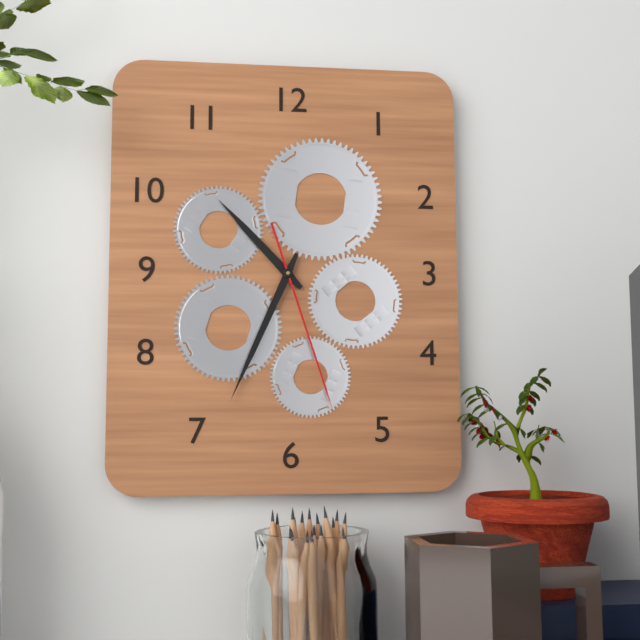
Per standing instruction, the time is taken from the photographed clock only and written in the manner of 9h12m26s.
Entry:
10h34m27s
